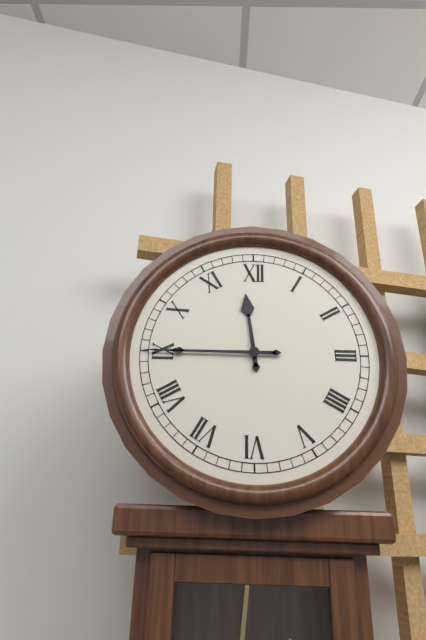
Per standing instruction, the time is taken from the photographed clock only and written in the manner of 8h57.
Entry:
11h45
